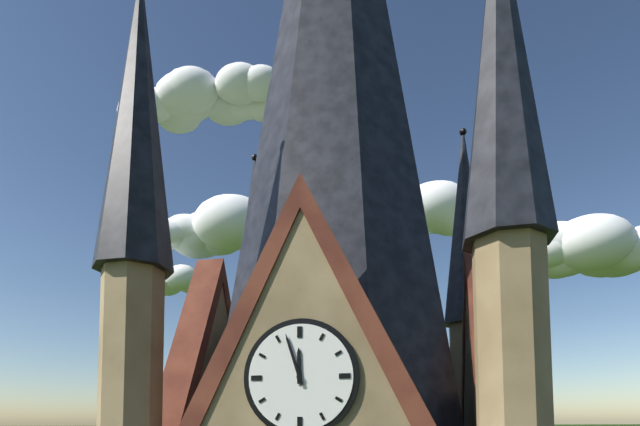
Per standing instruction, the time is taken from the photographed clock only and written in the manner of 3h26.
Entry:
11h57
